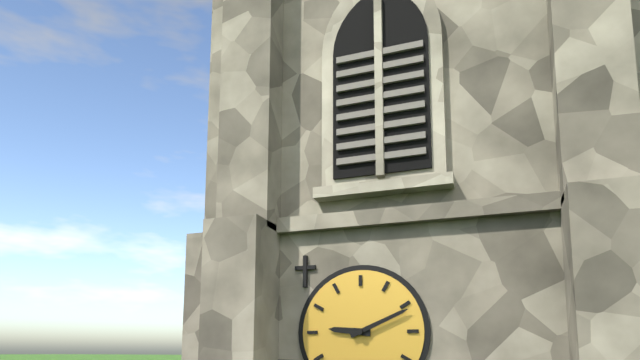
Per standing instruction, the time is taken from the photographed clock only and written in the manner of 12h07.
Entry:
9h11
